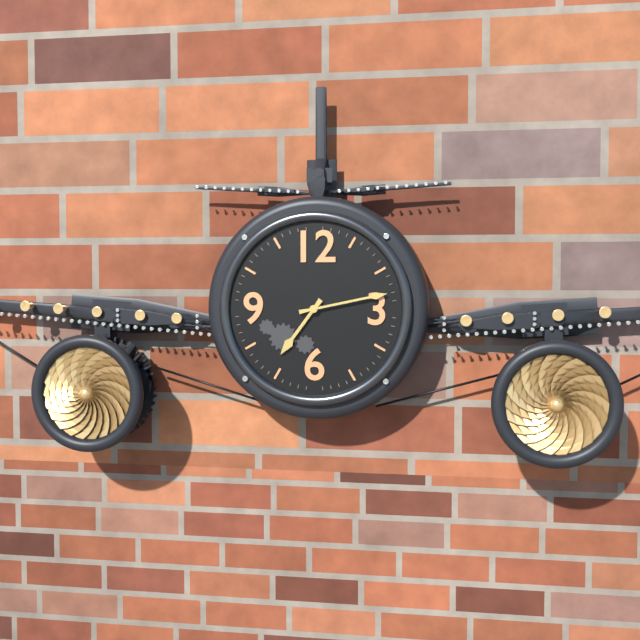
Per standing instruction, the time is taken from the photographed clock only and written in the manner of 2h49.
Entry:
7h13
